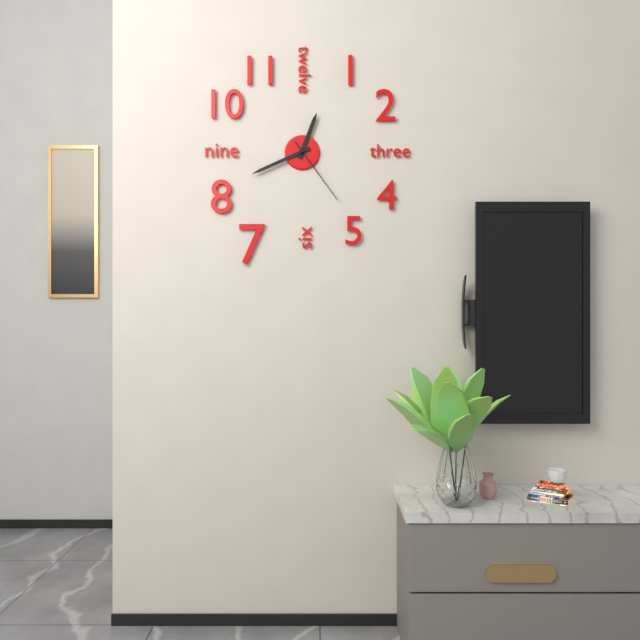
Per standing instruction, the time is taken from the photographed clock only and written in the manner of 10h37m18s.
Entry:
12h41m24s
